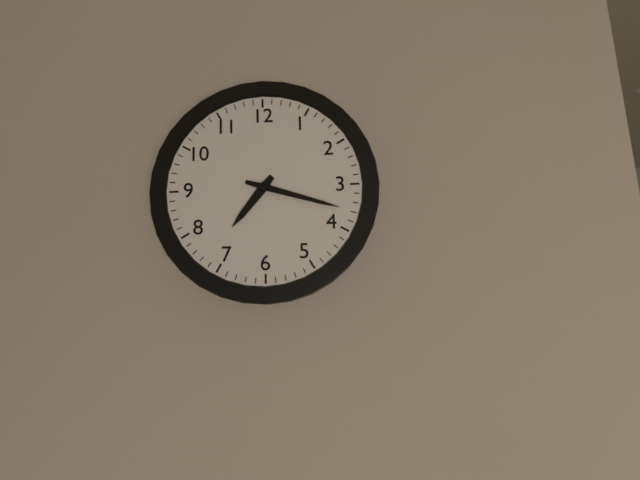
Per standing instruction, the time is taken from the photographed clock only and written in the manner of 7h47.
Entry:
7h18
